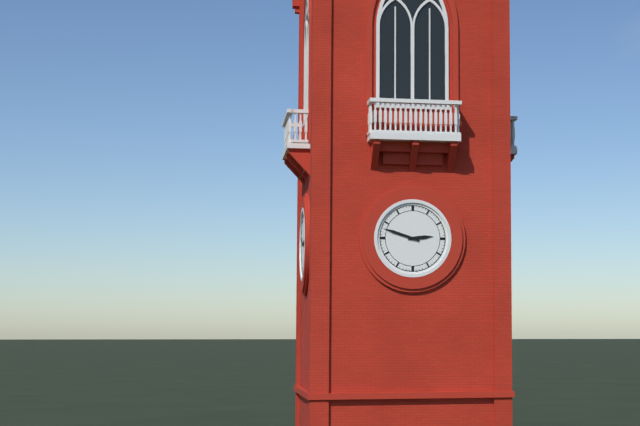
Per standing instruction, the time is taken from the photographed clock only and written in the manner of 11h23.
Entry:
2h48
